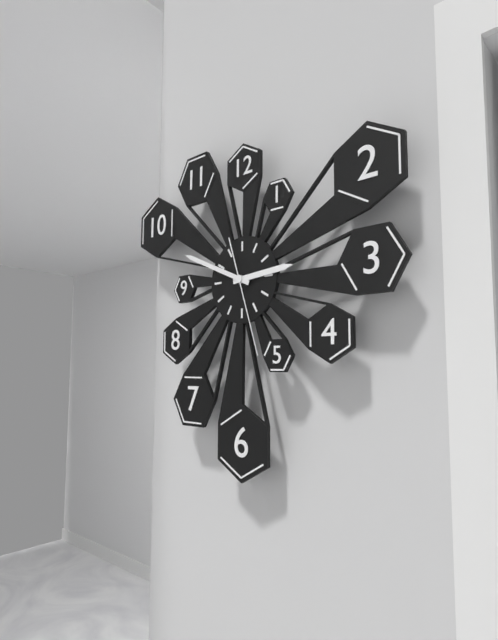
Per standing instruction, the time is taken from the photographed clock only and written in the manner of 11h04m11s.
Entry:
2h49m27s
